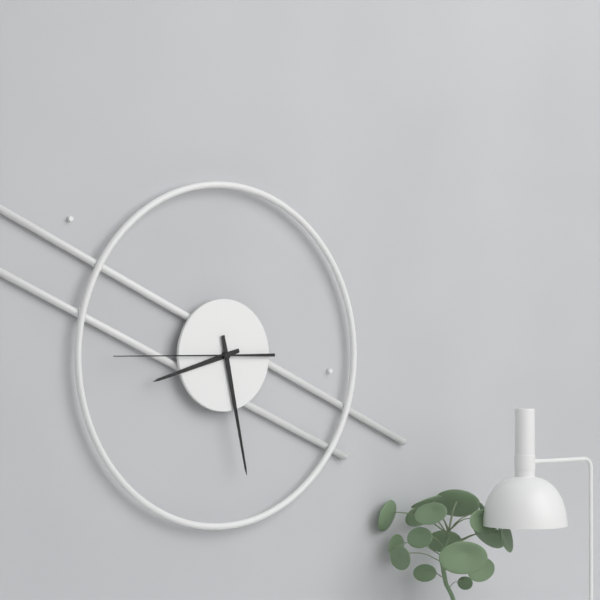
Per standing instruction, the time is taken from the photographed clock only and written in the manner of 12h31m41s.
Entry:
8h28m45s
